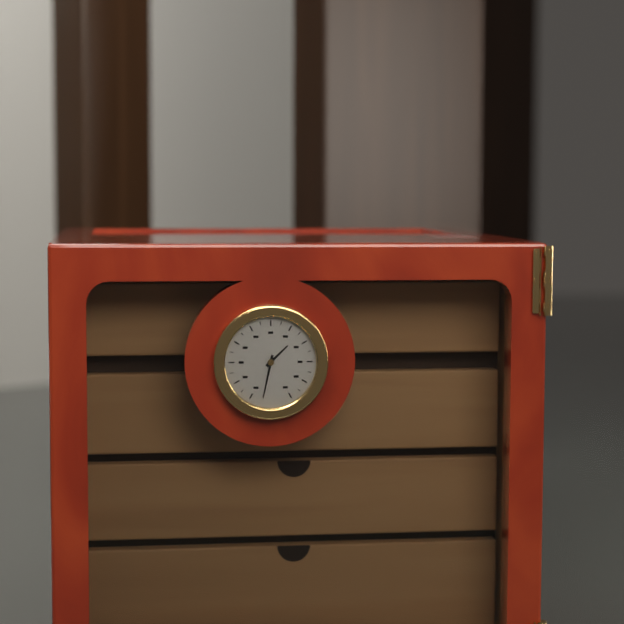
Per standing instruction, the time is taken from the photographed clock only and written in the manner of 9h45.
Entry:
1h32
